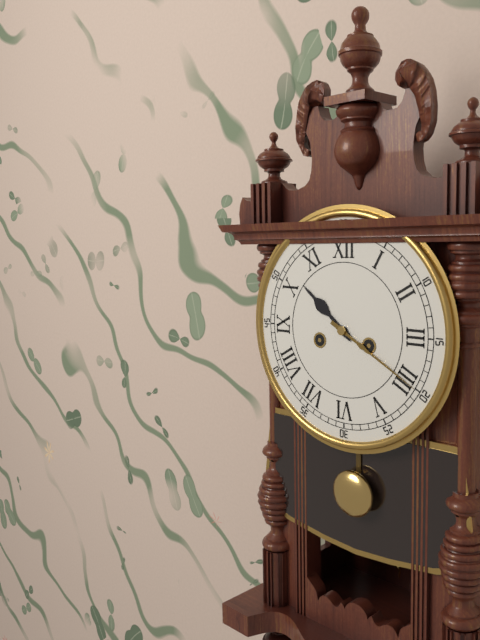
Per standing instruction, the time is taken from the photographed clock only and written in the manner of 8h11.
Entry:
10h20
